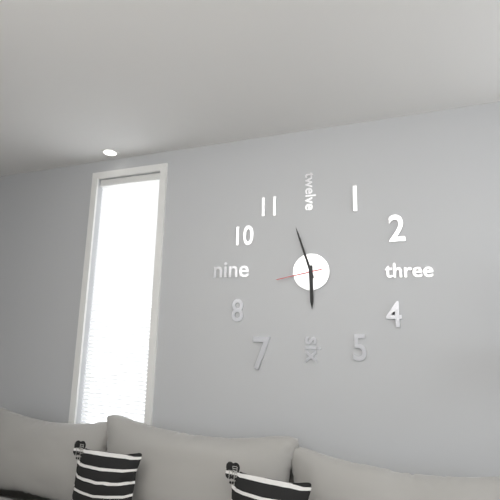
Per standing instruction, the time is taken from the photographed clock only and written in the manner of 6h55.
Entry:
5h57
